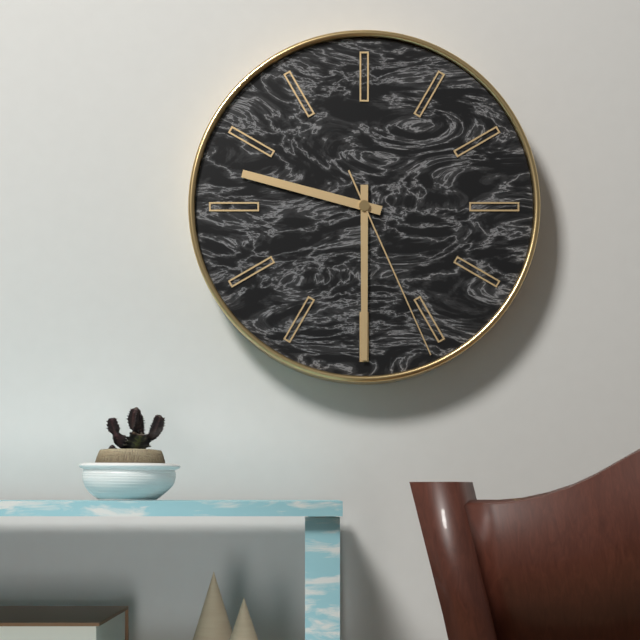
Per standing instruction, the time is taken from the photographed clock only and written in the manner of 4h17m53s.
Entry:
9h30m26s
